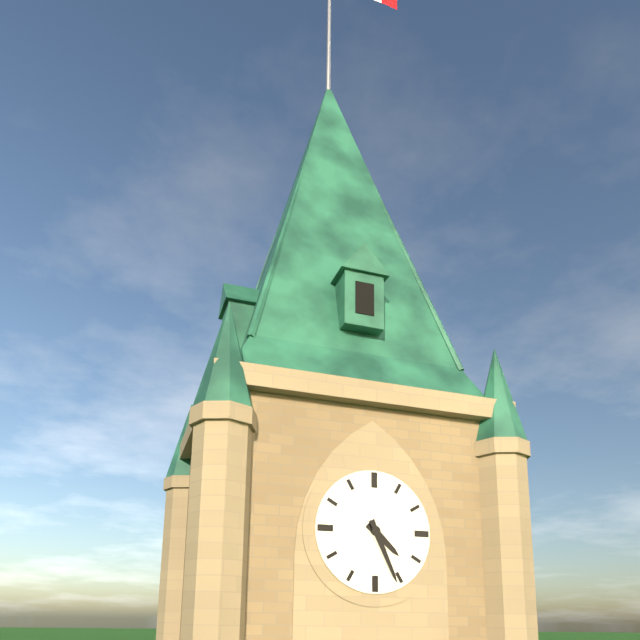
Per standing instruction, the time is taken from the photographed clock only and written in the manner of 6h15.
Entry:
4h26
